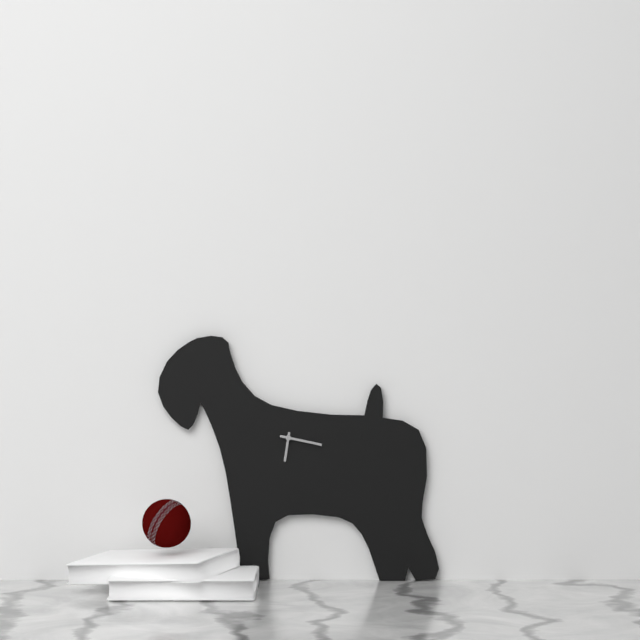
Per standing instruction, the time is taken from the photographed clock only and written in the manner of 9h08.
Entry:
6h17
